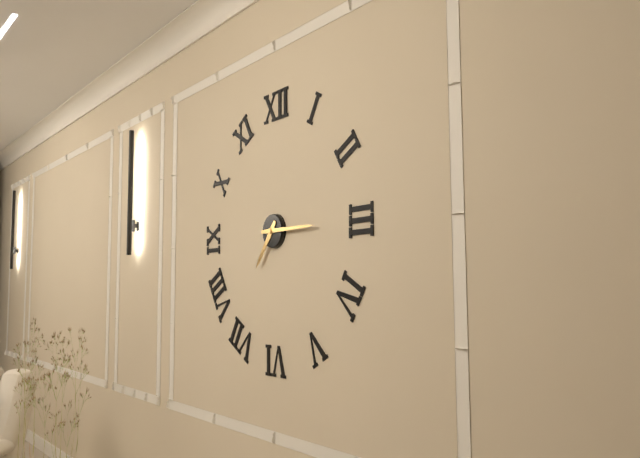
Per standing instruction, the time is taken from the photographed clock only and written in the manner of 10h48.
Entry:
7h15
